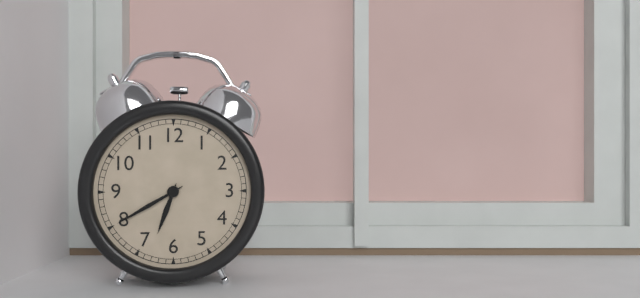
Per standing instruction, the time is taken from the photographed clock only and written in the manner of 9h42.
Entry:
6h40
